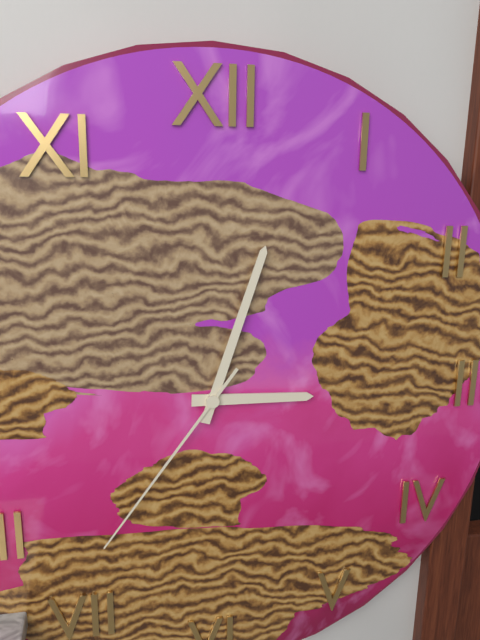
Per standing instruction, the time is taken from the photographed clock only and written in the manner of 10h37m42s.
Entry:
3h03m36s
